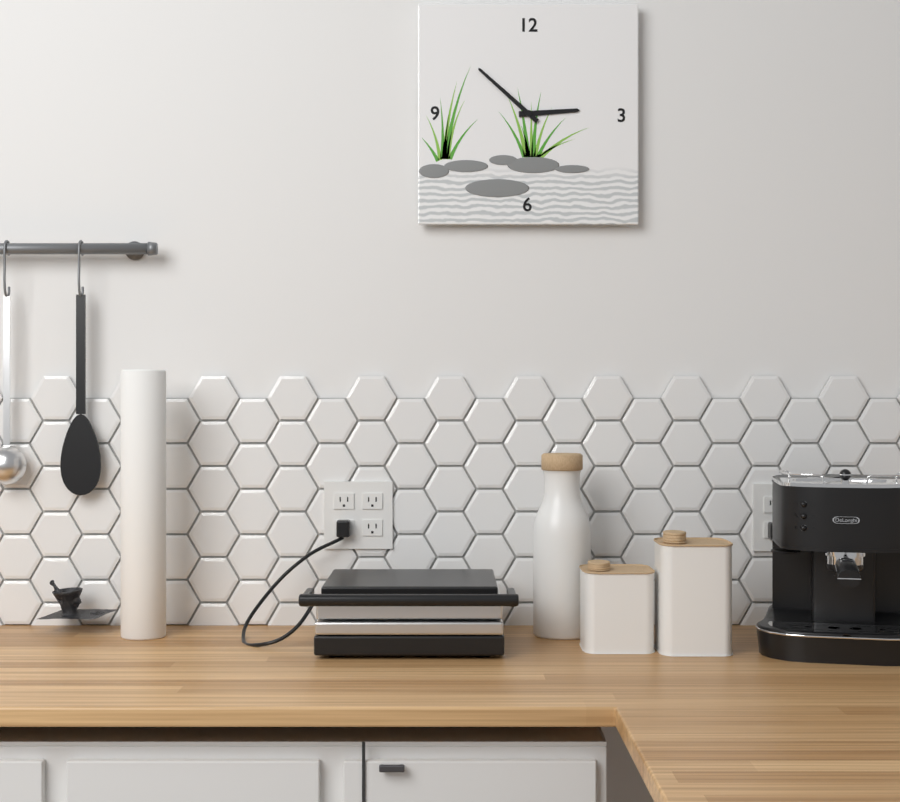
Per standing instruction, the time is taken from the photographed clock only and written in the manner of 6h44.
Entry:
2h52
